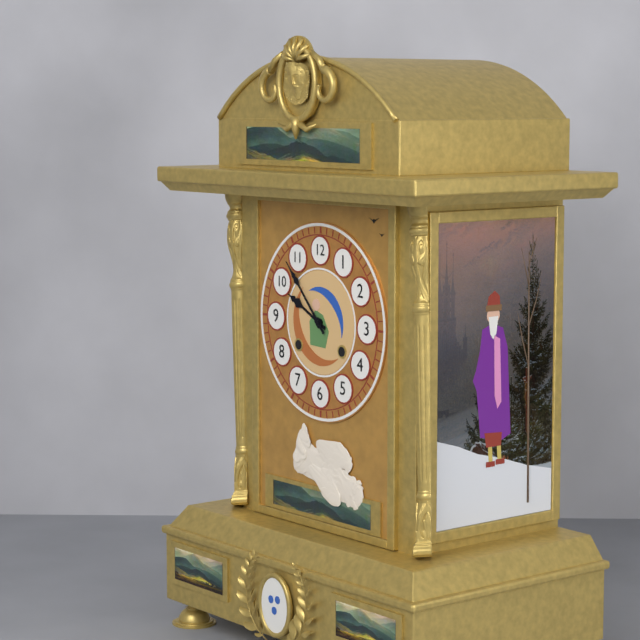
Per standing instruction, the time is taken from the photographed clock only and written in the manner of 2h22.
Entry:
9h53
